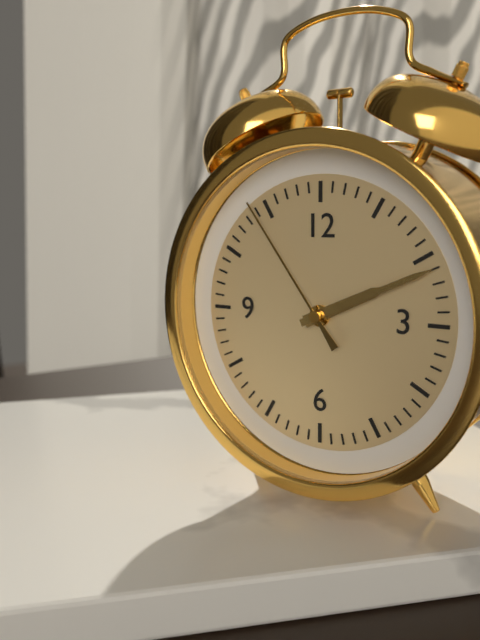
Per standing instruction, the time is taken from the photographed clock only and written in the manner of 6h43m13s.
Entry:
2h11m54s
